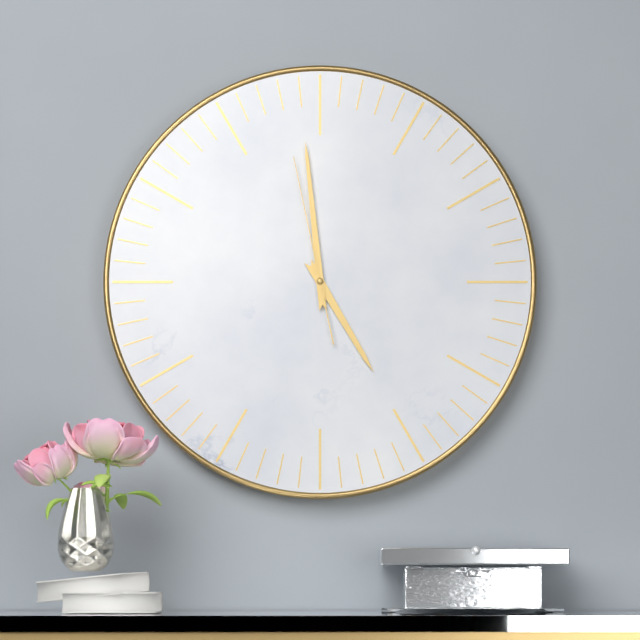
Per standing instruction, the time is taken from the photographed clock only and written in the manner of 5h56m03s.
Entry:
4h59m58s
